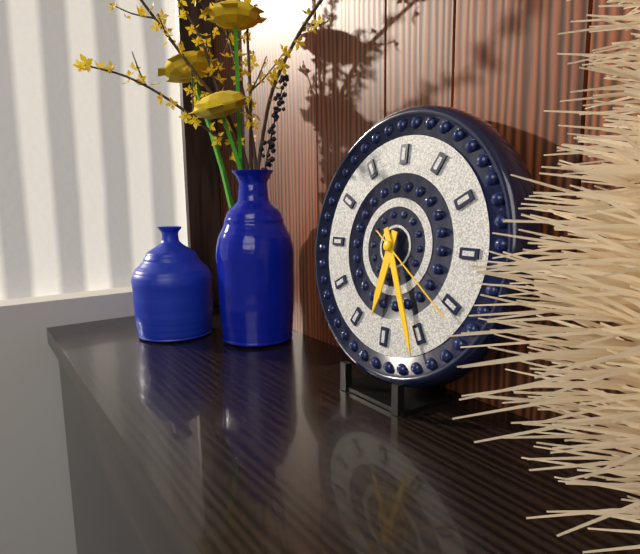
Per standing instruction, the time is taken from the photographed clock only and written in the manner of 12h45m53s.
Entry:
6h26m21s
